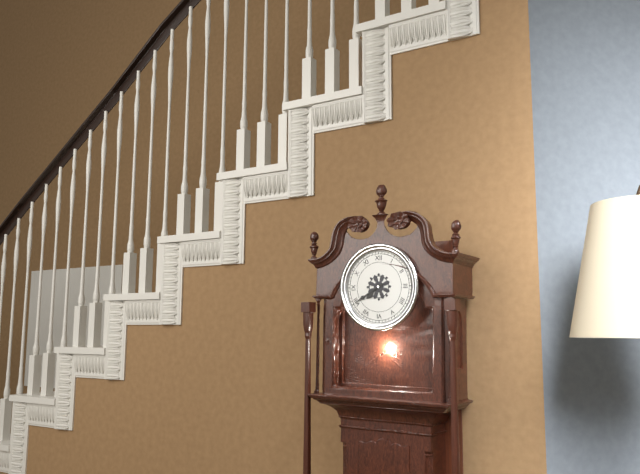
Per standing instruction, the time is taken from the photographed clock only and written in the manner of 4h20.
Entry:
7h40
